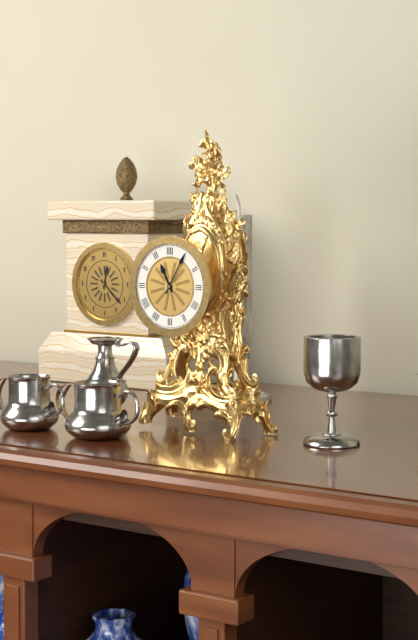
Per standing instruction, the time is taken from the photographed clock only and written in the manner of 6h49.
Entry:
11h05
